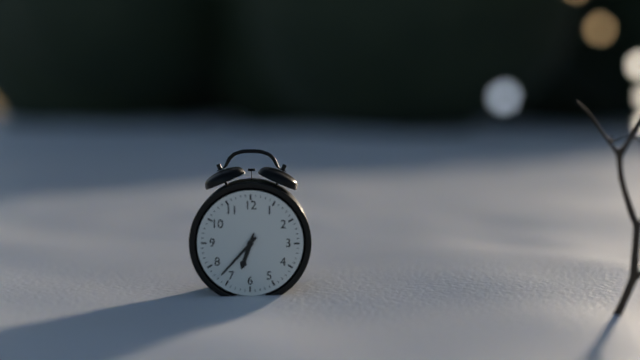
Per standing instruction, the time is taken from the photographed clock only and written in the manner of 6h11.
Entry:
6h37
